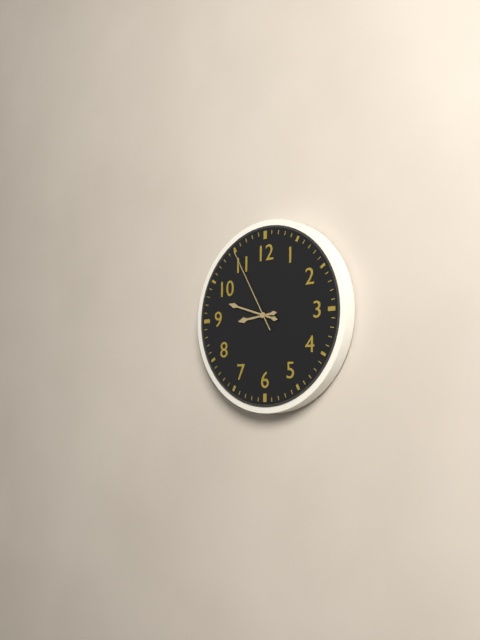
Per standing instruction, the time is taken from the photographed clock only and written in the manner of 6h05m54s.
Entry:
8h48m55s
